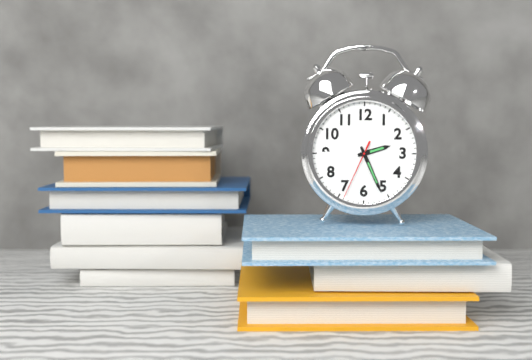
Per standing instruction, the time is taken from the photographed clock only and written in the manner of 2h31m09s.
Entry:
2h26m34s
